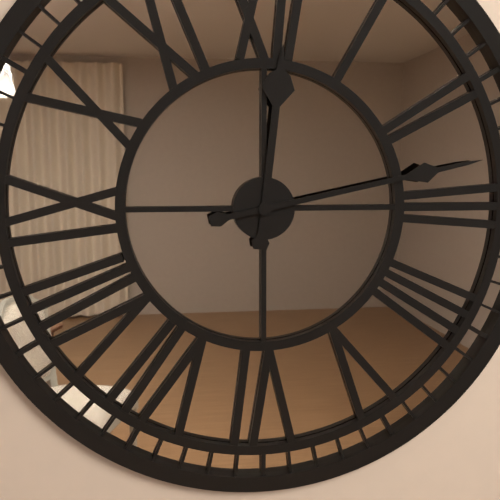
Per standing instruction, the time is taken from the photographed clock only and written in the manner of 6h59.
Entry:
12h13
